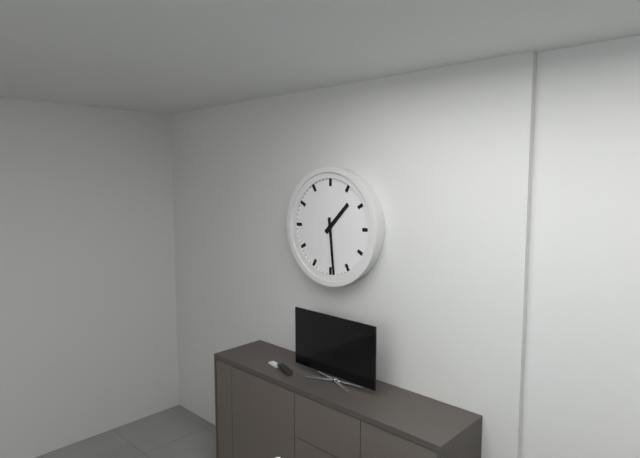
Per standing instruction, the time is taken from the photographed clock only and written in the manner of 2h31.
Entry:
1h29
